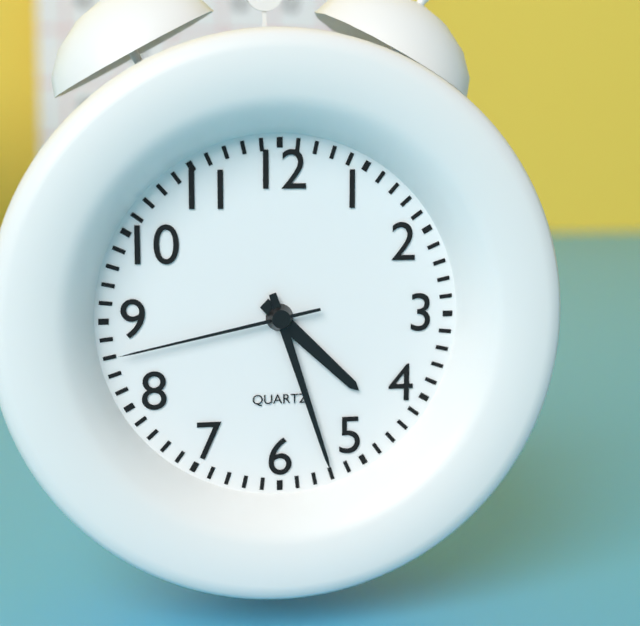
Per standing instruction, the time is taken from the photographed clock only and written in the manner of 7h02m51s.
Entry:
4h27m43s
